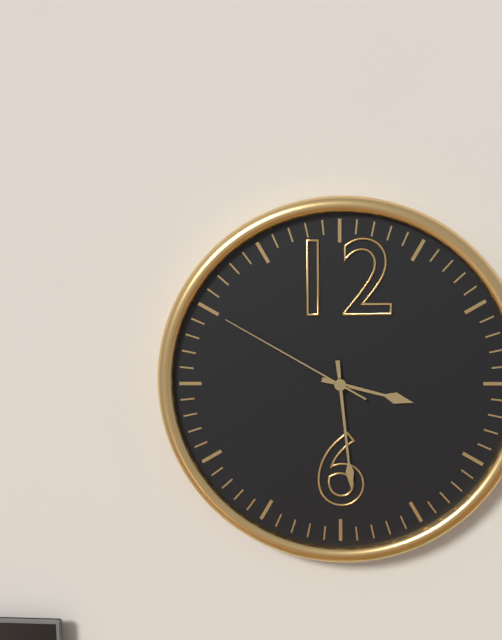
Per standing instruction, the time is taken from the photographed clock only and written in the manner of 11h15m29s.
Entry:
3h29m50s
